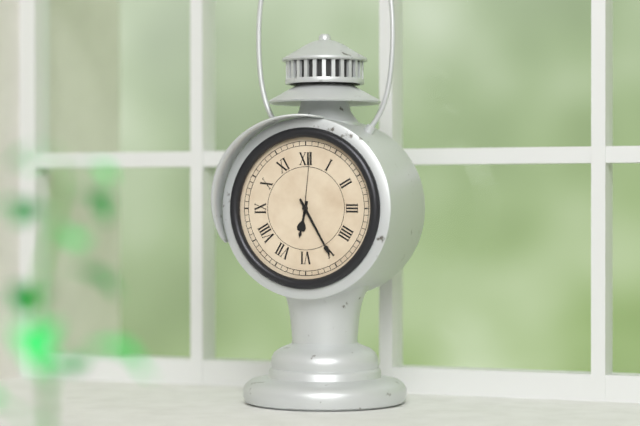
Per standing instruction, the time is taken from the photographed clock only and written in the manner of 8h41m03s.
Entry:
6h25m01s
